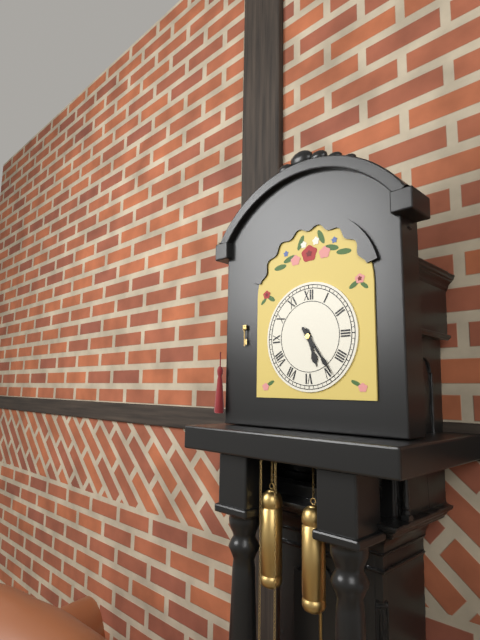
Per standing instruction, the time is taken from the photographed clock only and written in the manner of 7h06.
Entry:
5h24
